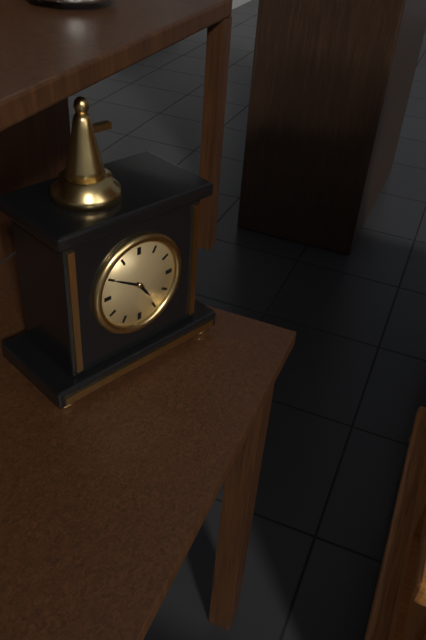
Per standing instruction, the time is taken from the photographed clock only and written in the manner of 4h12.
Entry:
4h50
